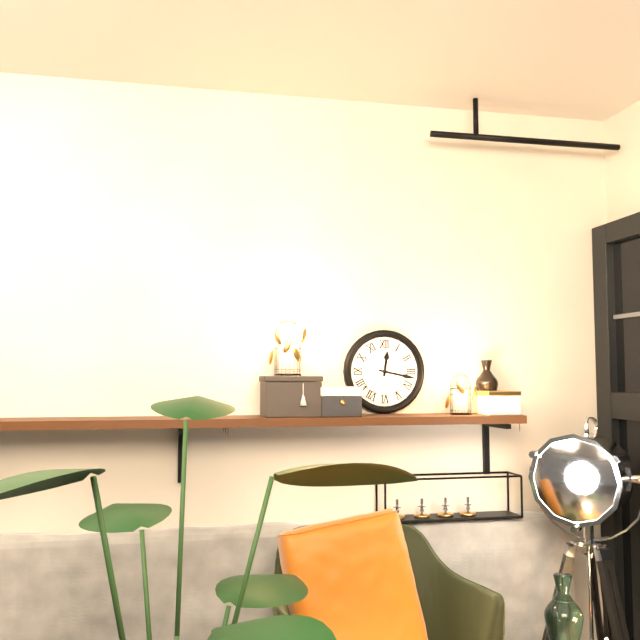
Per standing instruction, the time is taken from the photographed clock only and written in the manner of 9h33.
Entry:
12h17
